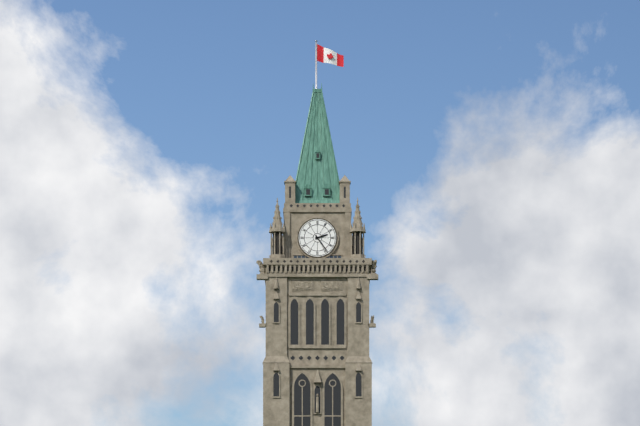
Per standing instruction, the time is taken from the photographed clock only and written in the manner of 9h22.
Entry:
2h24
